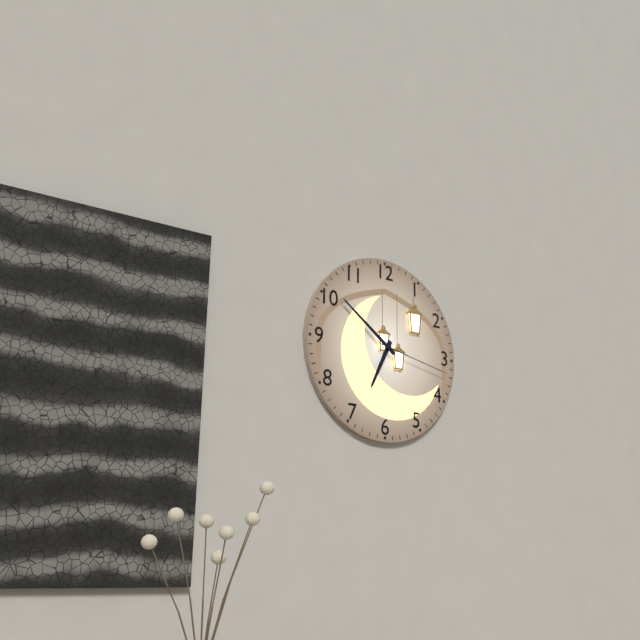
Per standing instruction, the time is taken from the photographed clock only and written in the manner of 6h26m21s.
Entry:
6h51m17s
